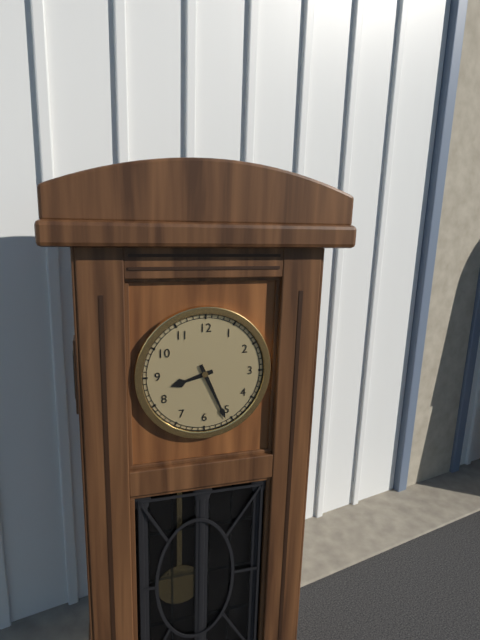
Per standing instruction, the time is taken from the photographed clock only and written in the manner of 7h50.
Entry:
8h26
